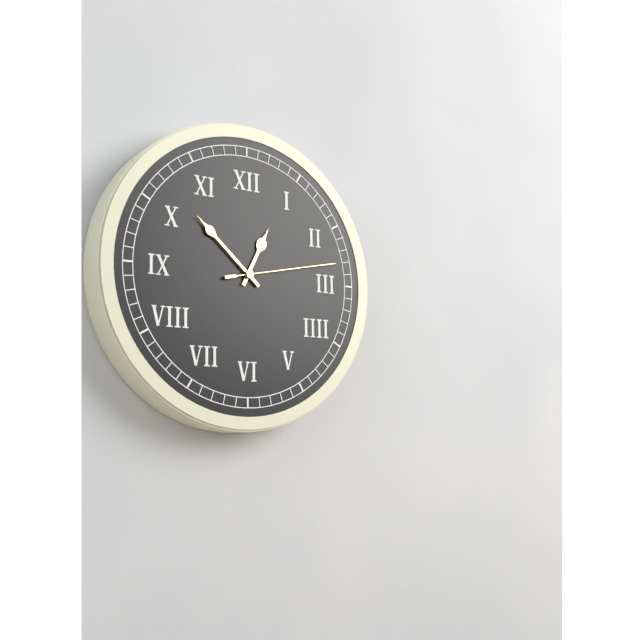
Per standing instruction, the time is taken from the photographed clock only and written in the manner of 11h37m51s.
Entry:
12h52m13s
